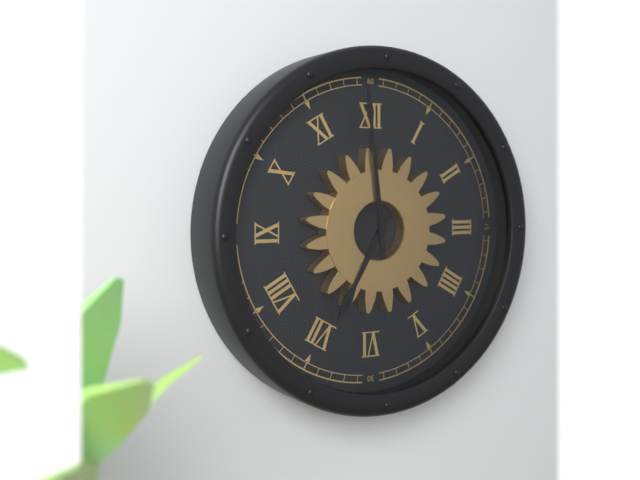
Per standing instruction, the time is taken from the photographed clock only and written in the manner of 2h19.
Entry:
6h59
